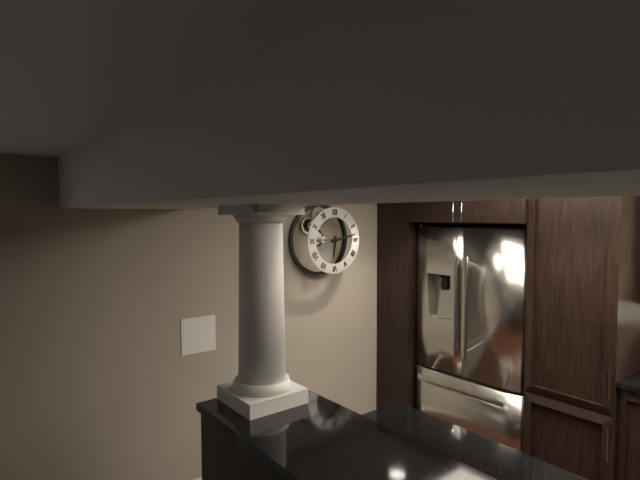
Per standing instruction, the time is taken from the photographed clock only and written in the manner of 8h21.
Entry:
6h13
